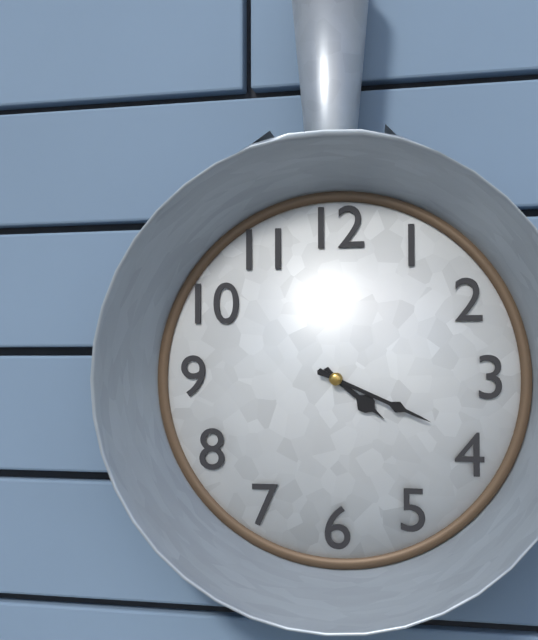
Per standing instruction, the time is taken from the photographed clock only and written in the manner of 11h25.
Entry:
4h19
